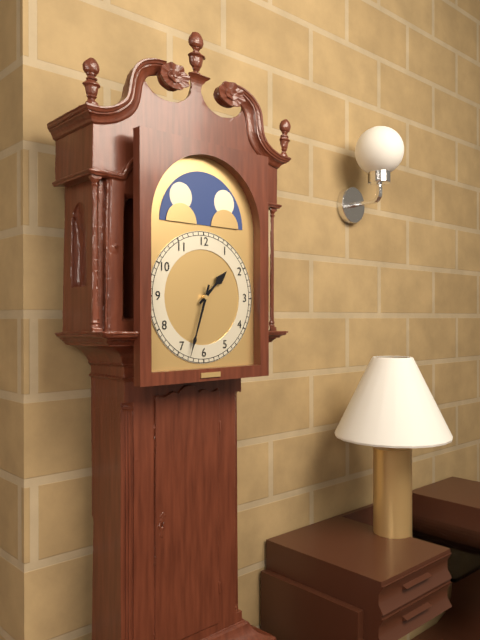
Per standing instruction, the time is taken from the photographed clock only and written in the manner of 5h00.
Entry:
1h33
